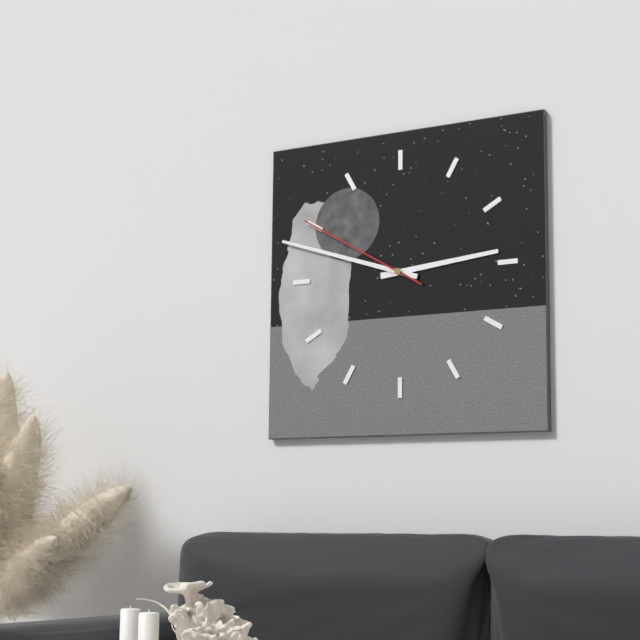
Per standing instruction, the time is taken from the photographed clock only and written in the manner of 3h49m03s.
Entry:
2h48m50s
